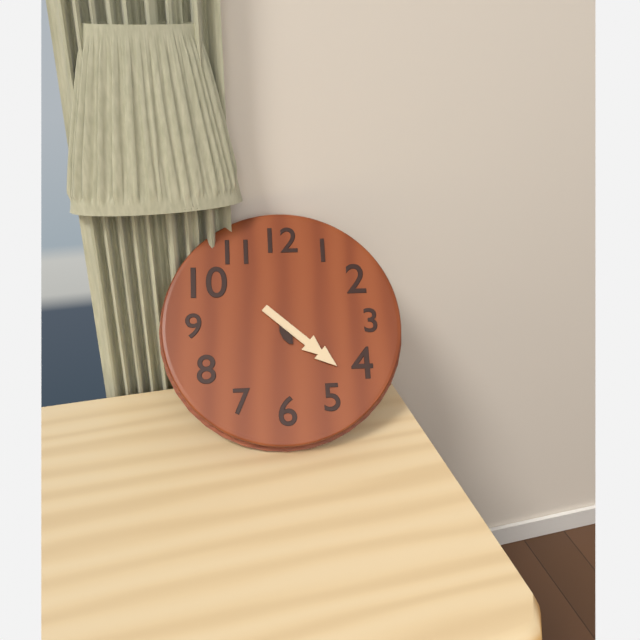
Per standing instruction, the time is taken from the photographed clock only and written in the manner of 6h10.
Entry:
5h22
